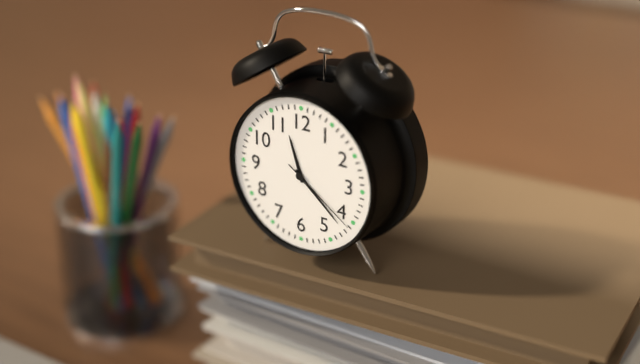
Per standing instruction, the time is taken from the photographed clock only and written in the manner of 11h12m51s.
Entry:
11h22m21s
